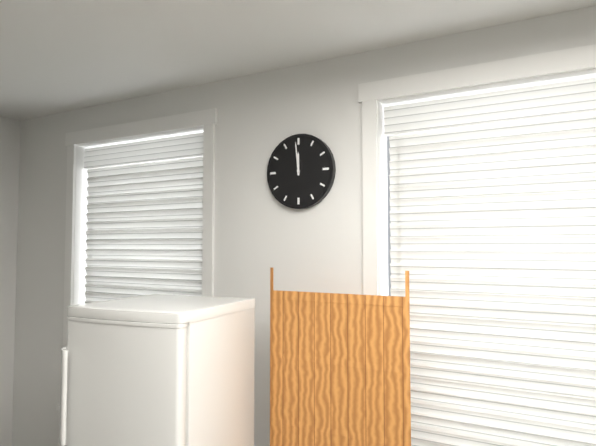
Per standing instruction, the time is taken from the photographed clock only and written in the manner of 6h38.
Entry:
11h59
